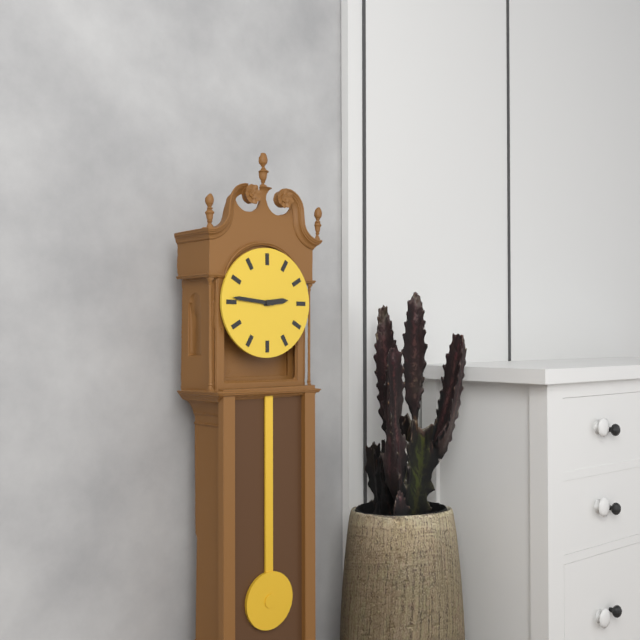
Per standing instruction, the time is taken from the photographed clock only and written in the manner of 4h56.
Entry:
2h46
